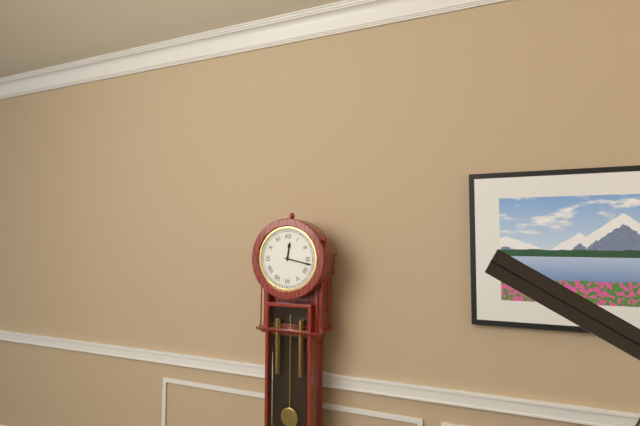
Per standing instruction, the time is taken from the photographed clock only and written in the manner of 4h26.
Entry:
12h17
